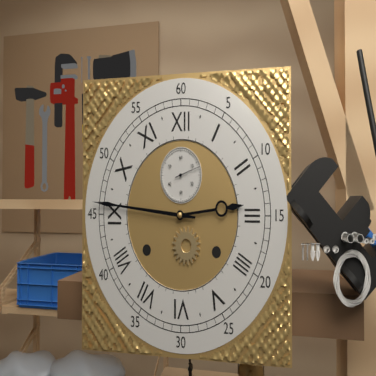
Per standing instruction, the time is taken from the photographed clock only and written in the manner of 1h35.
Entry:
2h46
